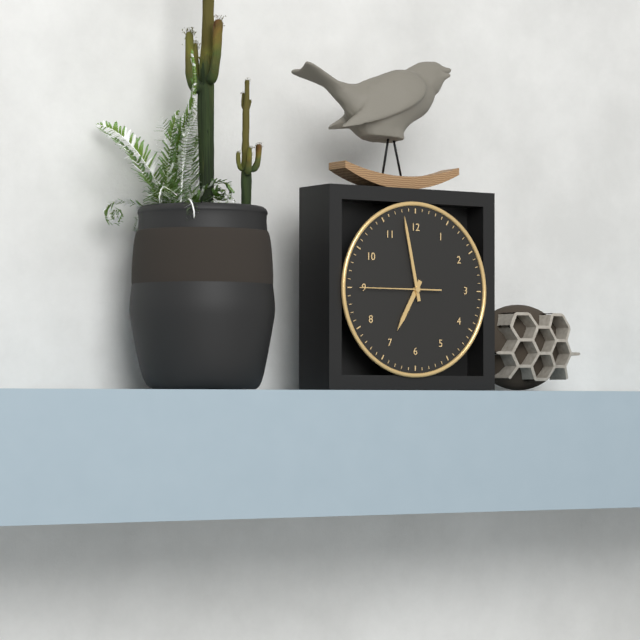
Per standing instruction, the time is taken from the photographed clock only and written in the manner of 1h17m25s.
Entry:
6h58m45s
